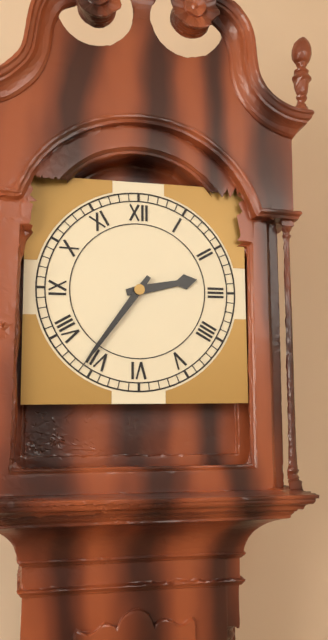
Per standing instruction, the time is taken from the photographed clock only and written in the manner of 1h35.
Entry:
2h36
